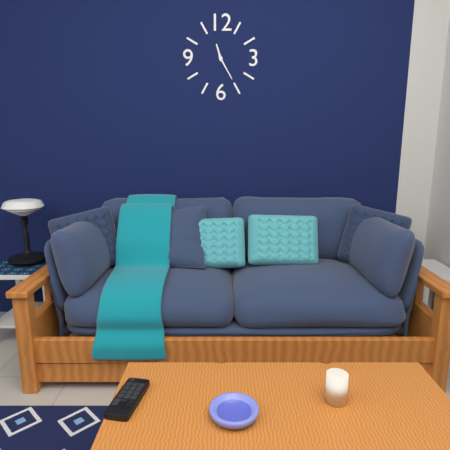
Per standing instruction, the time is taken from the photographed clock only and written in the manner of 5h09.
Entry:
11h25
